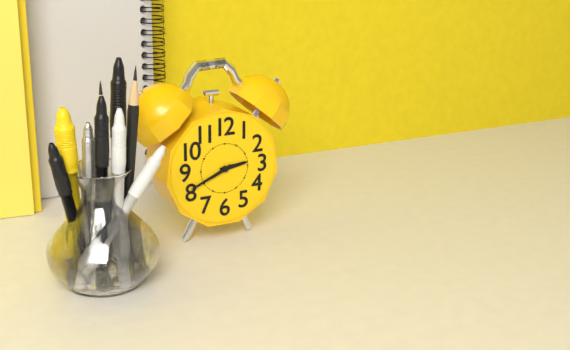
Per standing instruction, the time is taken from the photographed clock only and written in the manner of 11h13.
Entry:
2h41
